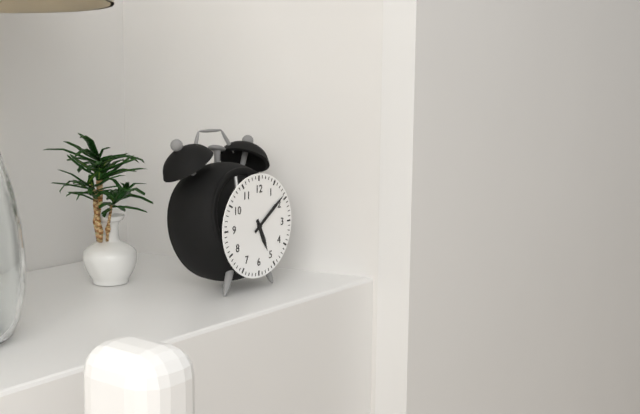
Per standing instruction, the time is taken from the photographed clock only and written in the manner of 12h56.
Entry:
5h09
